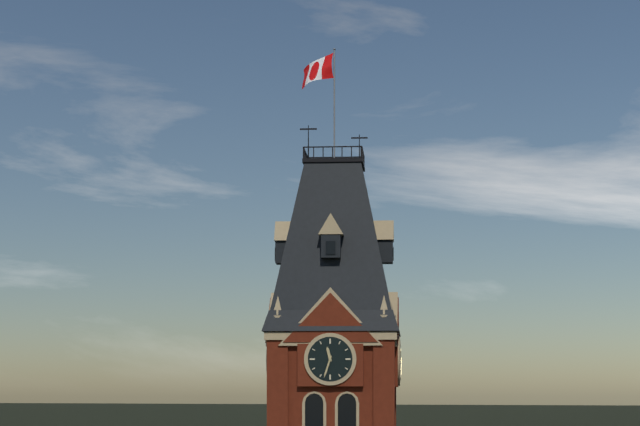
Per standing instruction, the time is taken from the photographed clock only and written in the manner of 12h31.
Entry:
11h33
